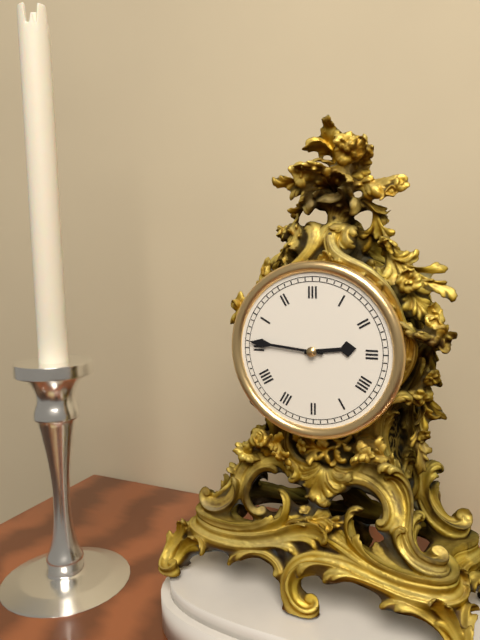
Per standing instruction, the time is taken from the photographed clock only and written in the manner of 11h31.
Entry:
2h46
